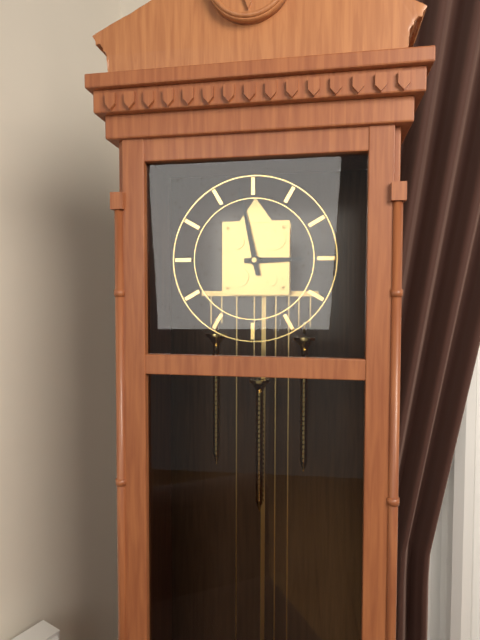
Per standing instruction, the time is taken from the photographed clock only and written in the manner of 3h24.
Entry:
2h58
